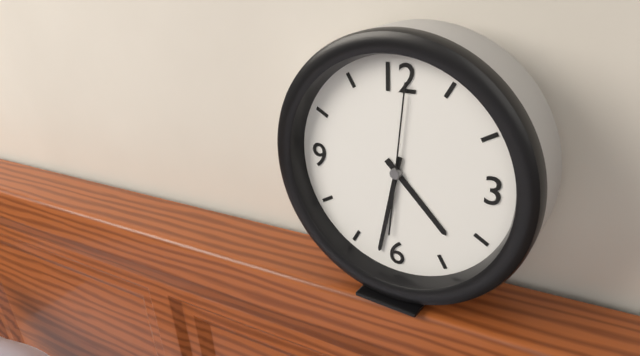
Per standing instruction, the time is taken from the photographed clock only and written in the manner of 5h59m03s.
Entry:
4h32m01s
